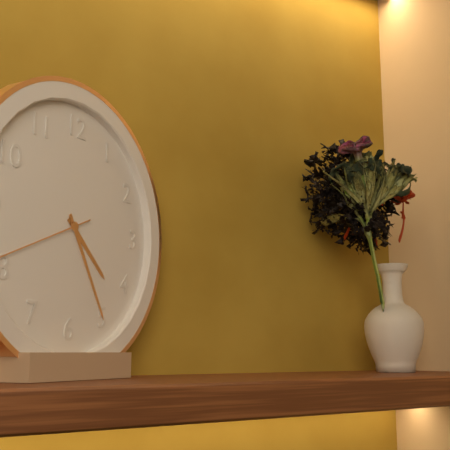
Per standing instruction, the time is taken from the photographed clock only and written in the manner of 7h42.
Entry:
4h25
